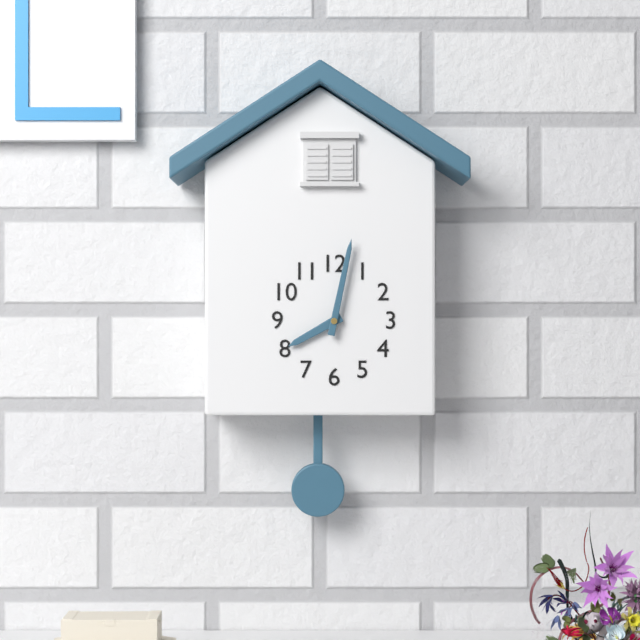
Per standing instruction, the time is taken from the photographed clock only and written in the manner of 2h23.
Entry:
8h02
